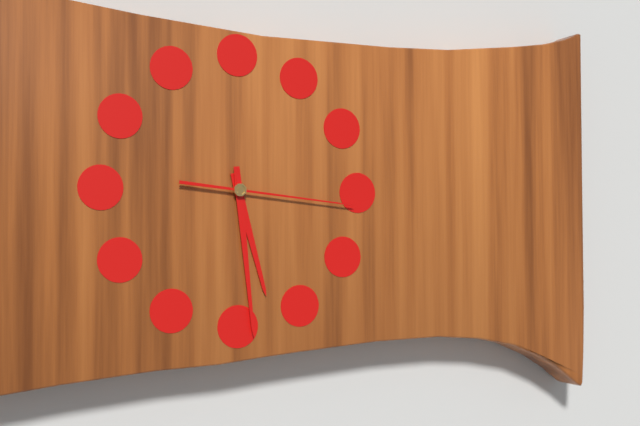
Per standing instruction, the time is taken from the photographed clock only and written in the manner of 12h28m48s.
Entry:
5h29m16s
